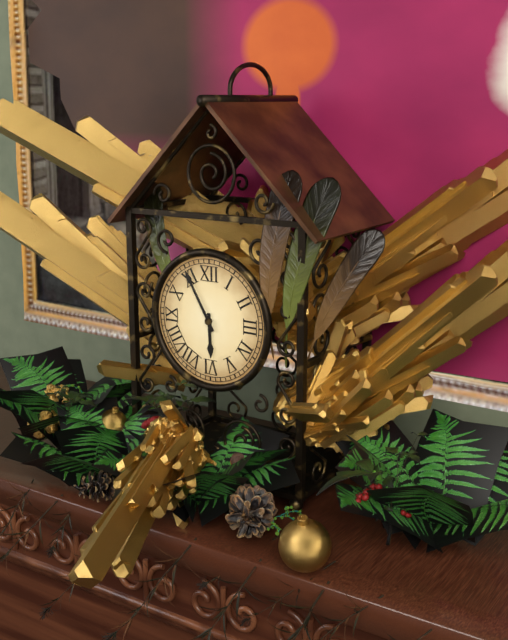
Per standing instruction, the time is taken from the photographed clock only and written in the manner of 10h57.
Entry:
5h55
